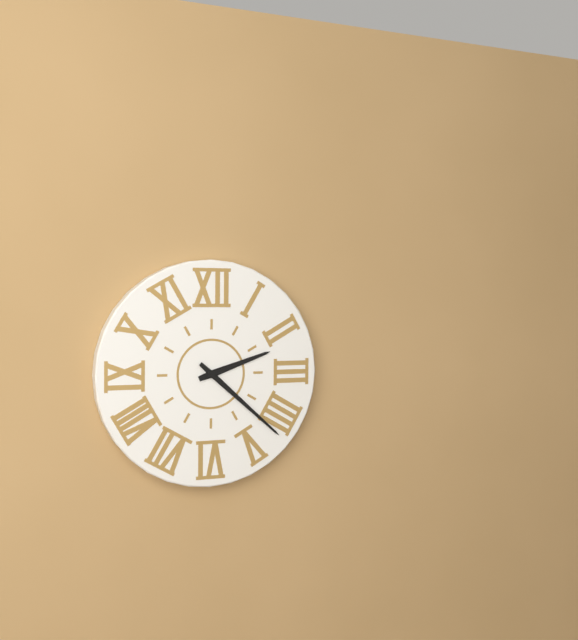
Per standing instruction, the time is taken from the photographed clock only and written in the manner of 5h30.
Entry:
2h22
